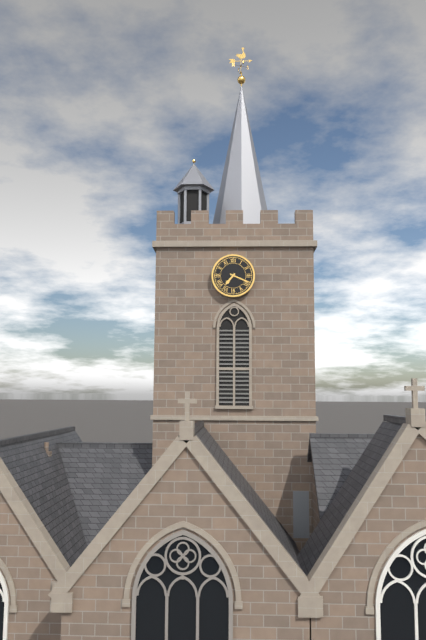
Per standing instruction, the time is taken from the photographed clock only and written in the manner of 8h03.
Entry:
7h19
